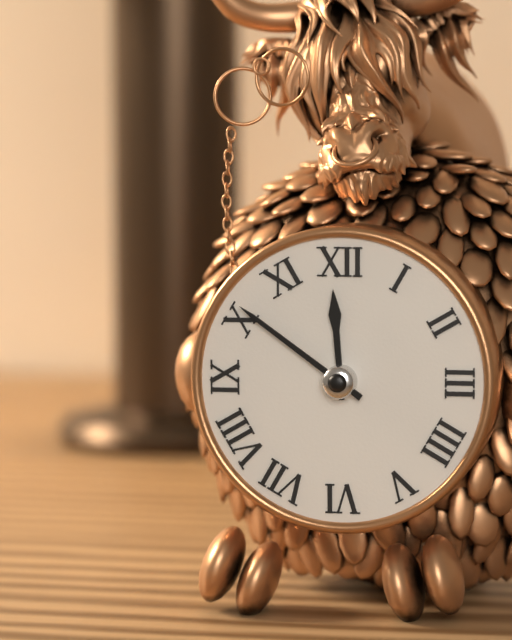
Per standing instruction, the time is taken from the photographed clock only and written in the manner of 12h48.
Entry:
11h51
